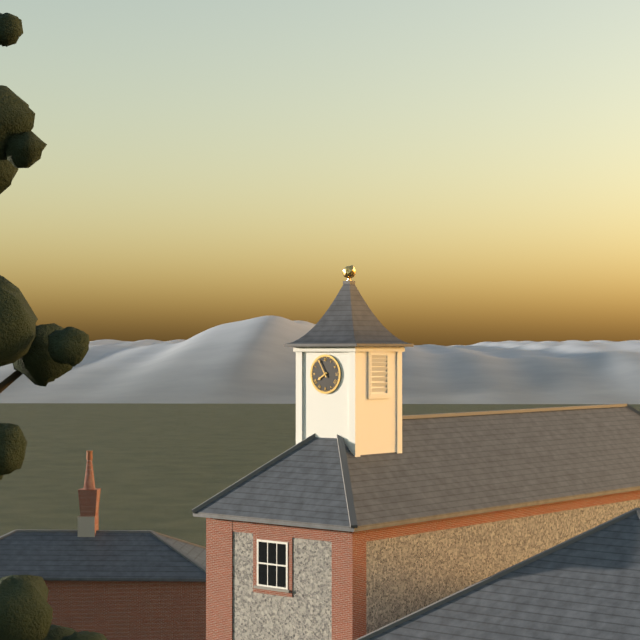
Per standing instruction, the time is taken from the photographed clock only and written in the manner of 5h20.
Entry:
7h55
